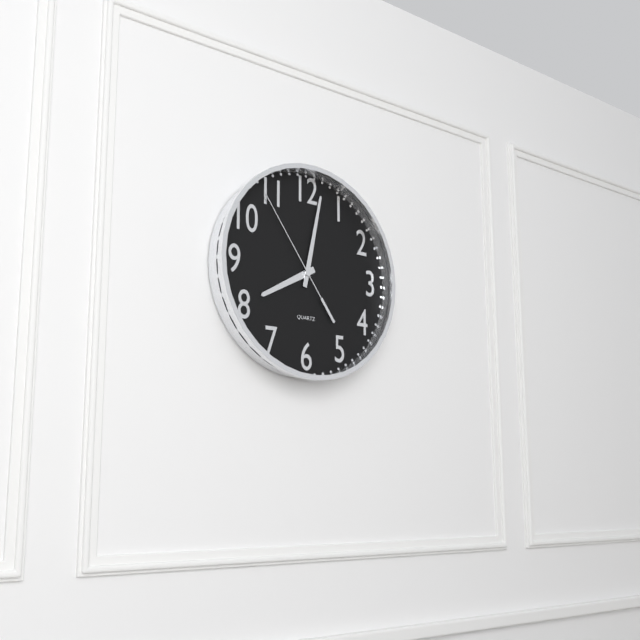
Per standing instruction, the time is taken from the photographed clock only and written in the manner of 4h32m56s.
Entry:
8h02m54s
